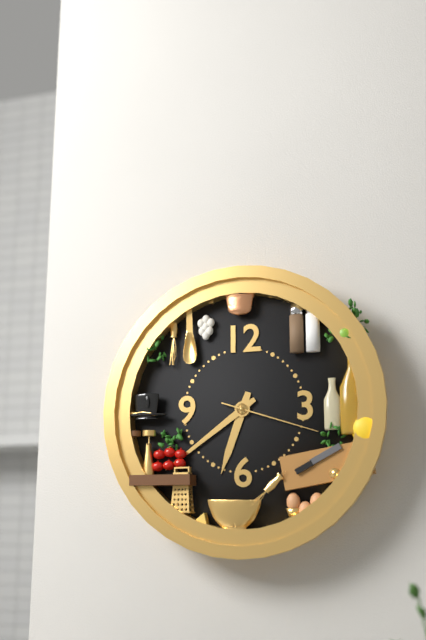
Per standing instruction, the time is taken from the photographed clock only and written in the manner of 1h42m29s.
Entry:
6h39m18s
